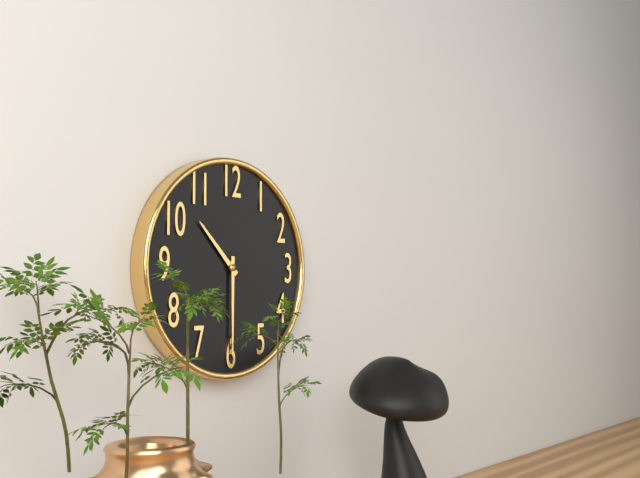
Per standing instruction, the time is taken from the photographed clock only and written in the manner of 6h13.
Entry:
10h30
